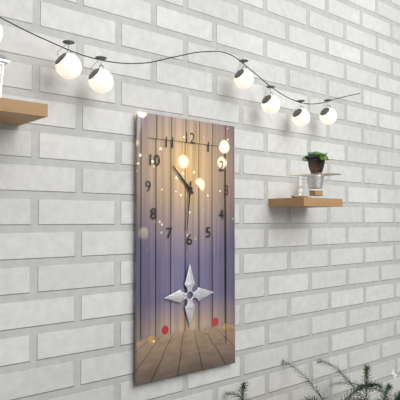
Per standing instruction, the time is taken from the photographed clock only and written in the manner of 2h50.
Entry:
10h31
